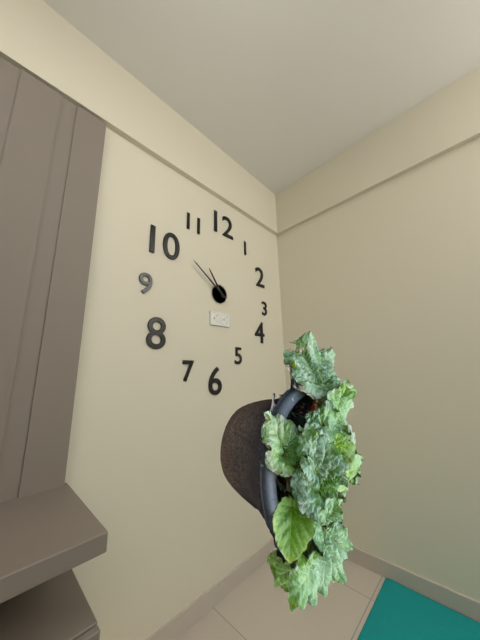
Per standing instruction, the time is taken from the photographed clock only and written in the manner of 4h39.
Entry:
10h51
